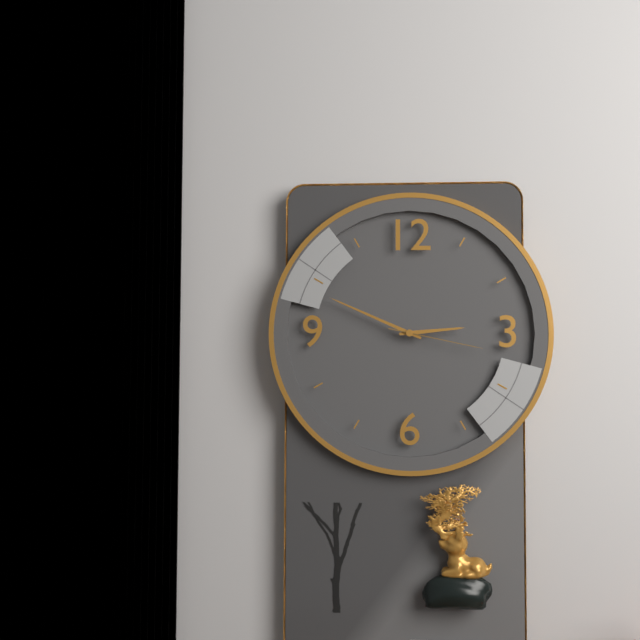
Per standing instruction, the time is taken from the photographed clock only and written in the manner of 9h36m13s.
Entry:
2h49m17s
